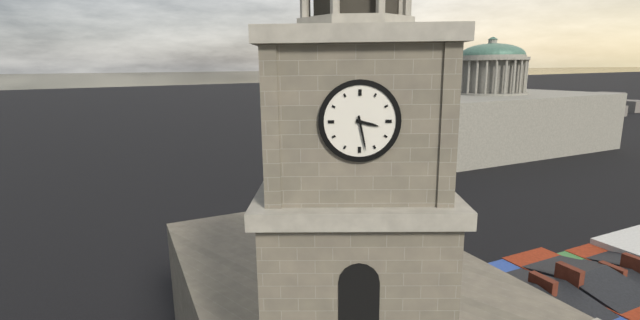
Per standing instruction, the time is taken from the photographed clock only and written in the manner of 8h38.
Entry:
3h28
